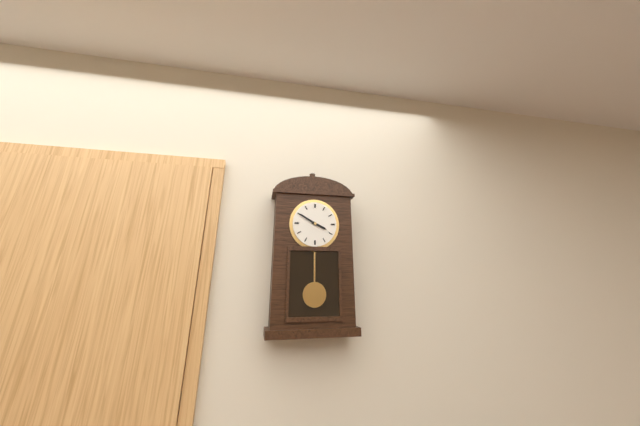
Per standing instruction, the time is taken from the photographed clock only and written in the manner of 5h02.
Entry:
3h50
